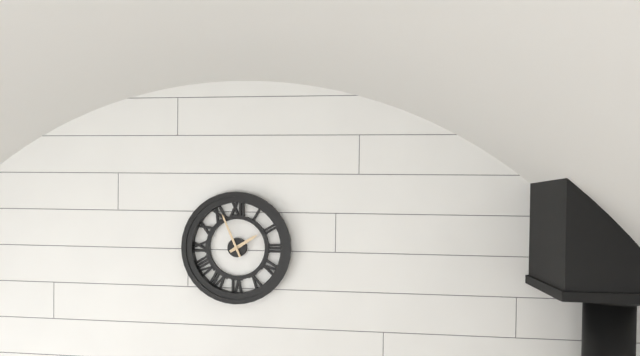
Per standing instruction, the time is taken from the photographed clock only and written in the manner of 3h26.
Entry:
1h56
